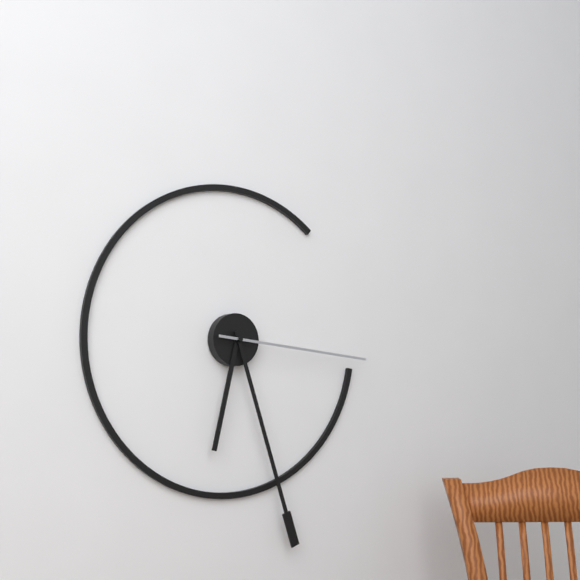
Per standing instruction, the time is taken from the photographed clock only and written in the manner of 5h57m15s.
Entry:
6h27m16s
